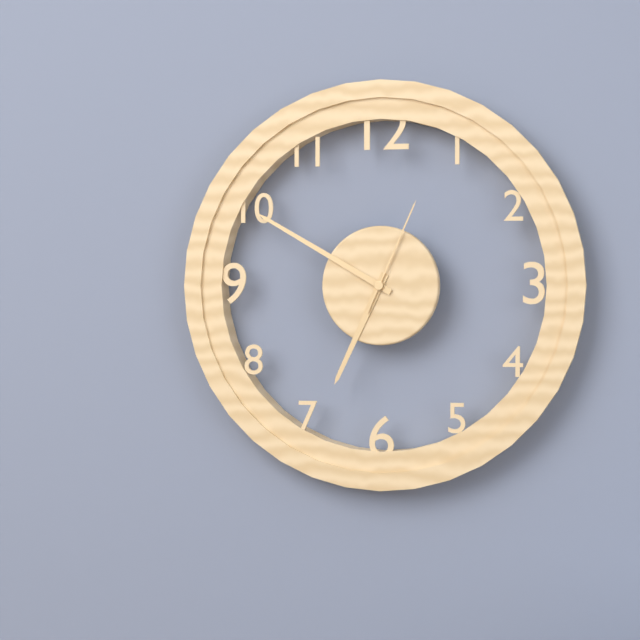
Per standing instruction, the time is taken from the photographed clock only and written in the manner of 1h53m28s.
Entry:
6h50m04s
